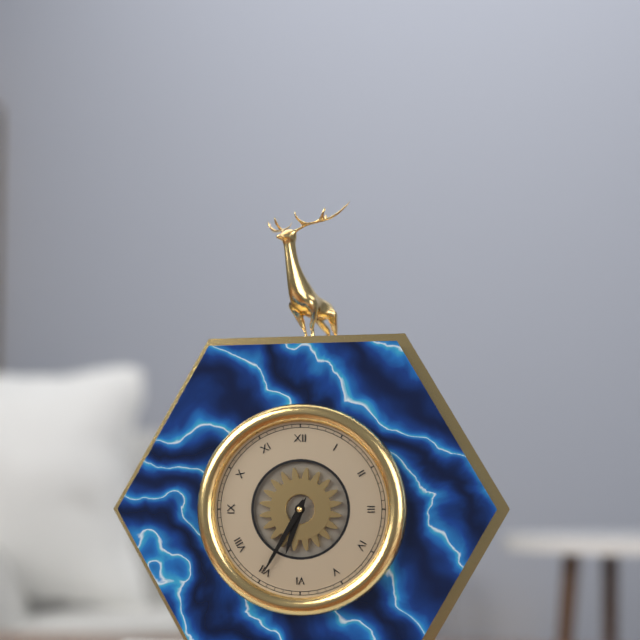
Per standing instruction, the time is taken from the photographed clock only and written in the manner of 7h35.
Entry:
6h35
